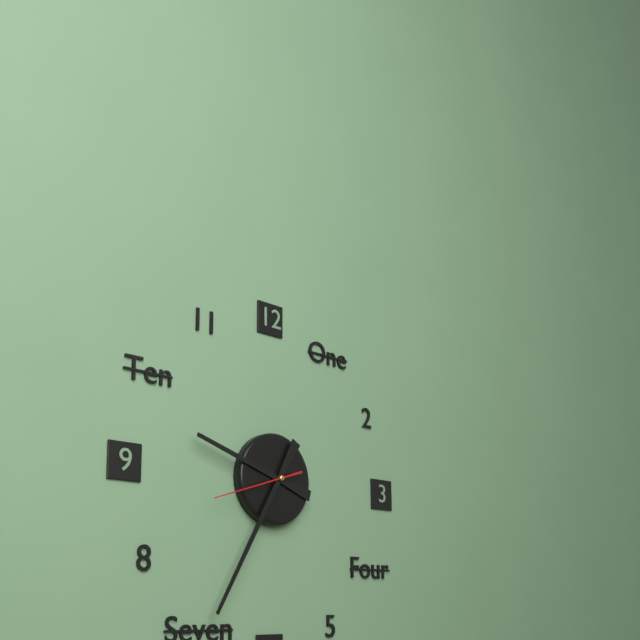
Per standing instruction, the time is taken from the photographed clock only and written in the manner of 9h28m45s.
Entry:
9h35m42s
